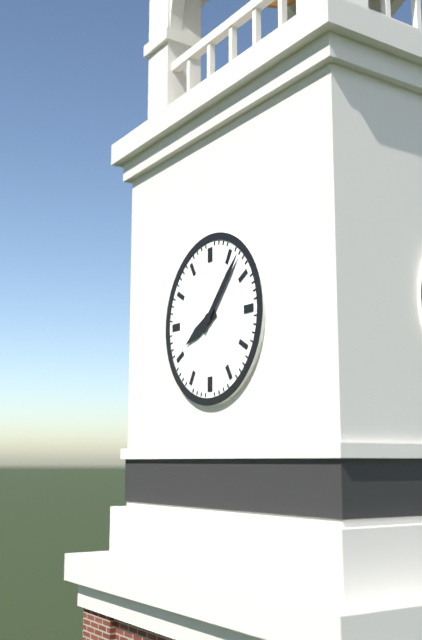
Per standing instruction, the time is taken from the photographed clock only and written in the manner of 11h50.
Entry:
8h07
